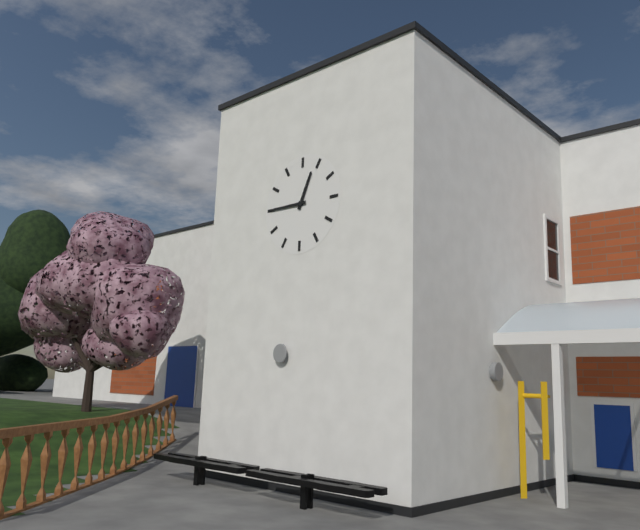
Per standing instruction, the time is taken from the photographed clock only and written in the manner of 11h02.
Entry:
12h45
